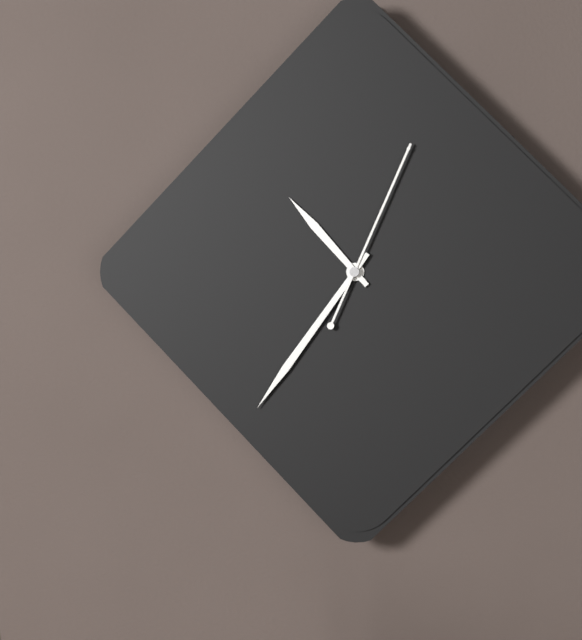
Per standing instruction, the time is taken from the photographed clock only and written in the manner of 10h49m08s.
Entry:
10h36m04s
